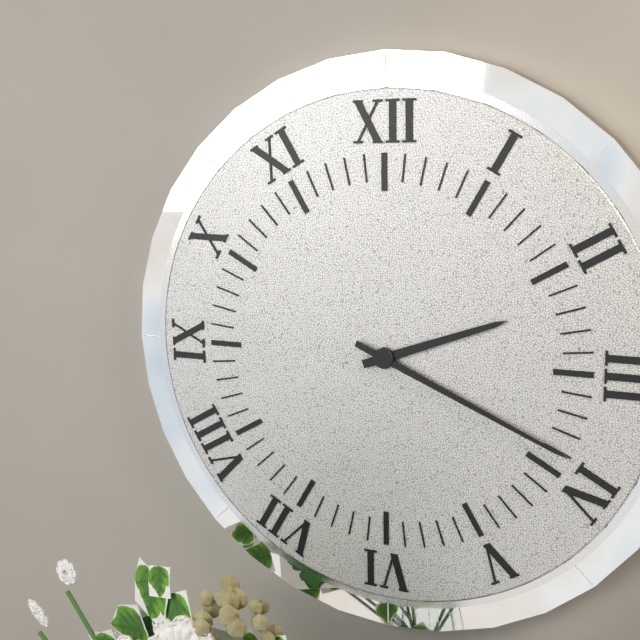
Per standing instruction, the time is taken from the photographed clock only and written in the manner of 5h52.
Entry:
2h19
